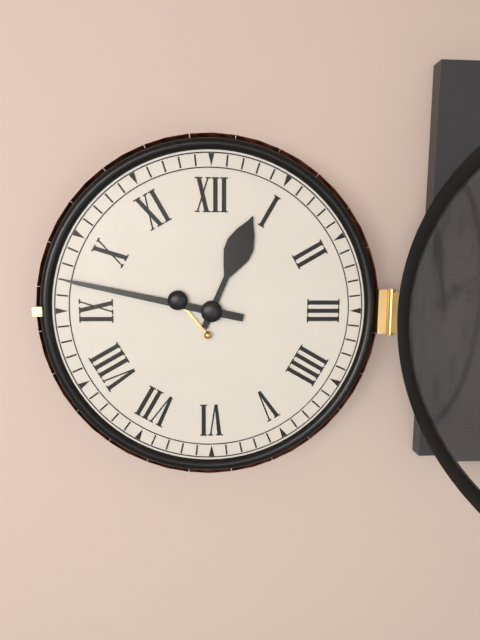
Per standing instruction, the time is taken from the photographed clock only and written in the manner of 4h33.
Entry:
12h47
